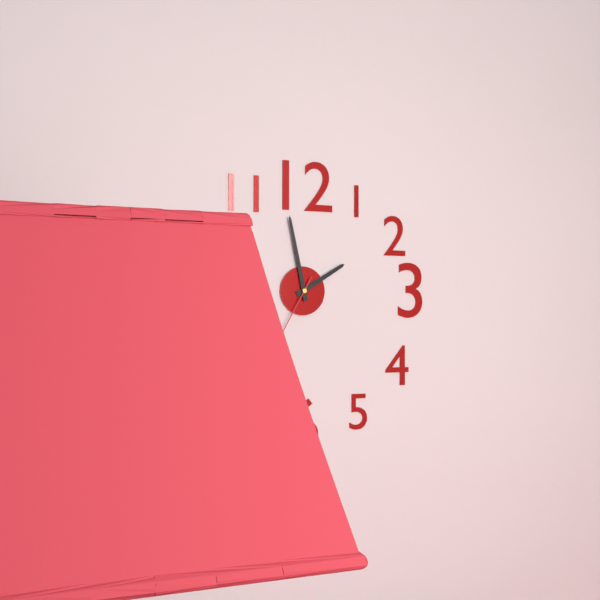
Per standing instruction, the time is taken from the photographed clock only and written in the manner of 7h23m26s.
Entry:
1h58m35s
